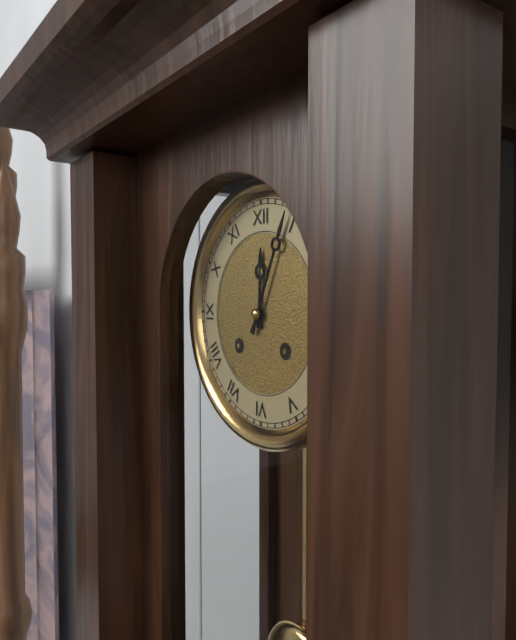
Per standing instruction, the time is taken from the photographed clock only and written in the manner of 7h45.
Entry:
12h04
